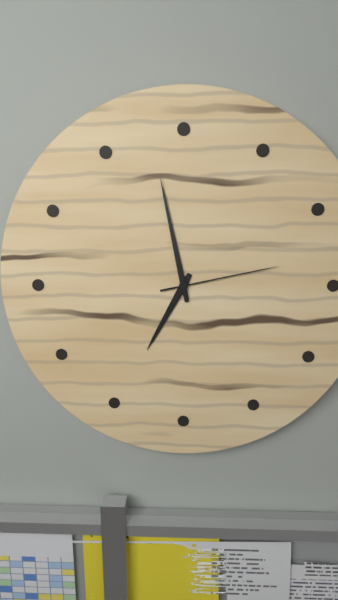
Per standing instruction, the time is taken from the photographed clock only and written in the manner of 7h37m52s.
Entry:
6h58m13s
